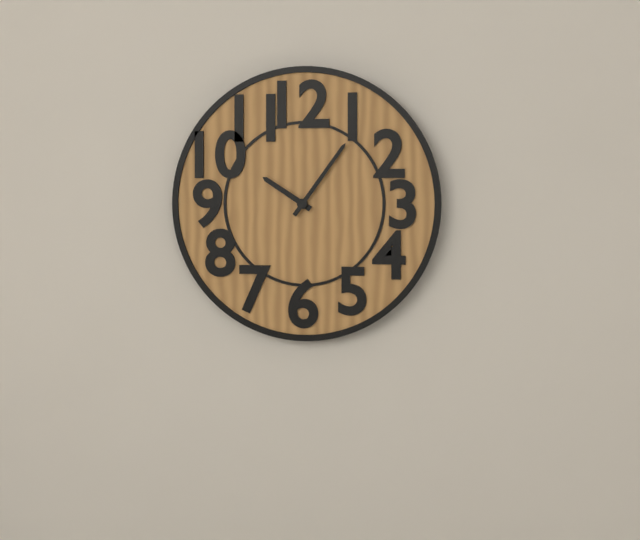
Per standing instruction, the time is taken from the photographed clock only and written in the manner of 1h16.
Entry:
10h06
